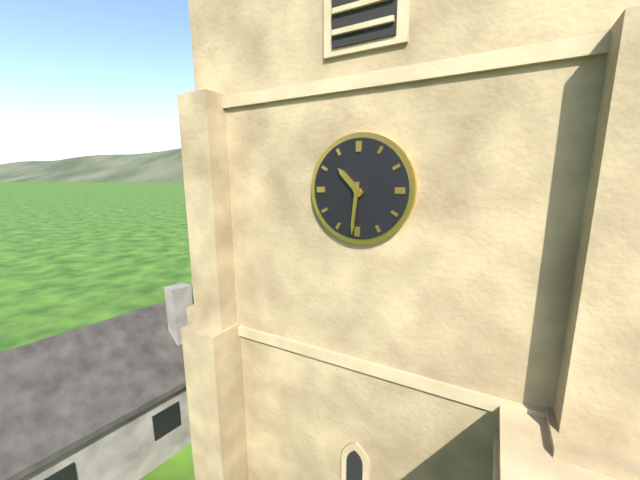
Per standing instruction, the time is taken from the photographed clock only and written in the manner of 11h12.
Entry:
10h31
